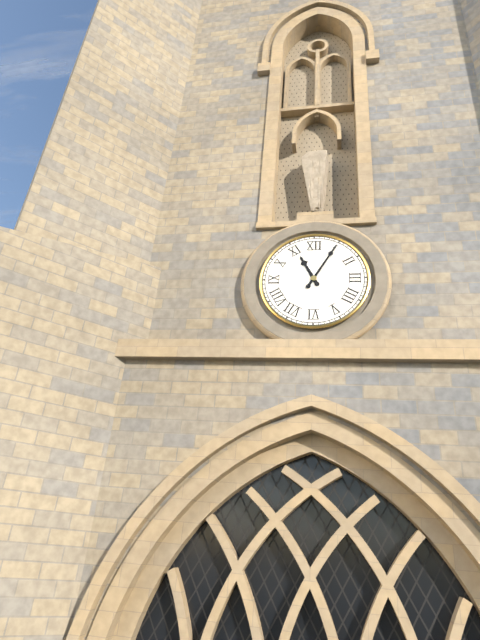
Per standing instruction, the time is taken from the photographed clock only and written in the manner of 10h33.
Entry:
11h05
